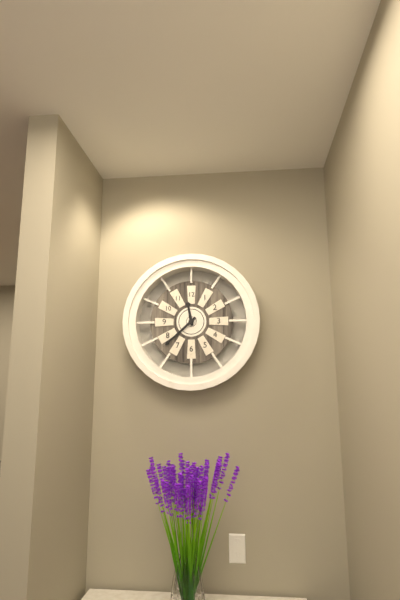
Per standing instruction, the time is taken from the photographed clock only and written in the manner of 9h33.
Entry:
11h38
